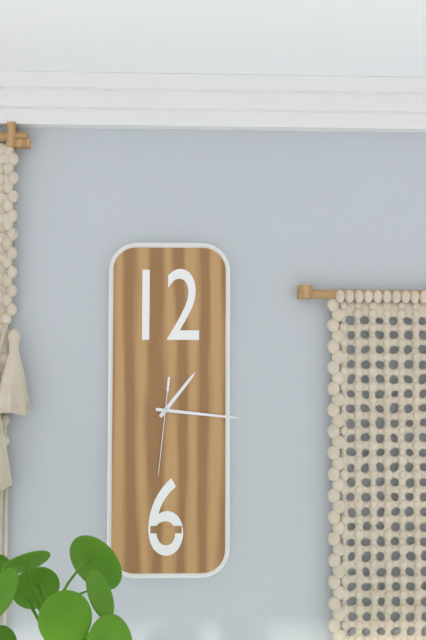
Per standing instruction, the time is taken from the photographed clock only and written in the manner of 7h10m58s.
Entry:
1h16m31s
